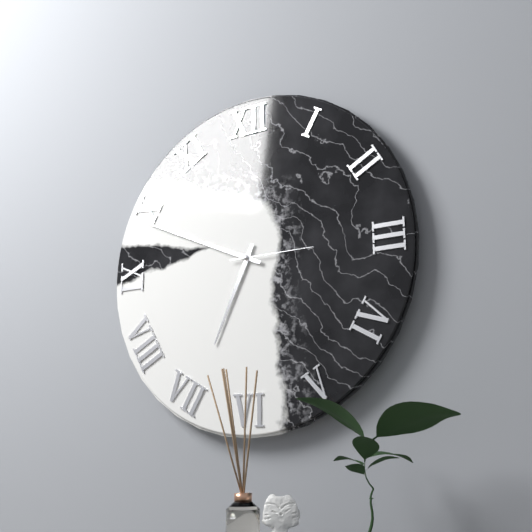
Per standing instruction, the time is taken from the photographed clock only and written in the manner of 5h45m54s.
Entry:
6h49m15s
